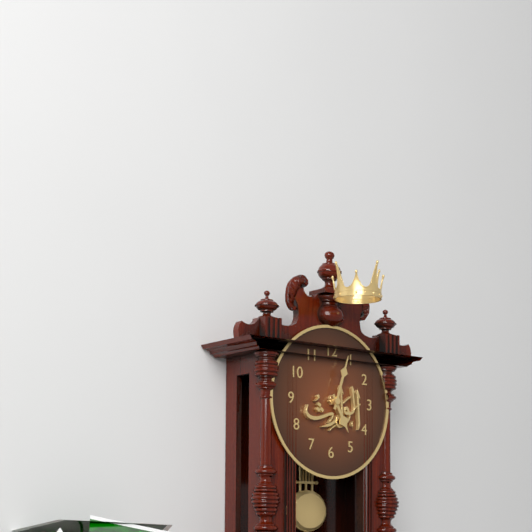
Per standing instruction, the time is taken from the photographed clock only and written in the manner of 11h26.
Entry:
5h03
